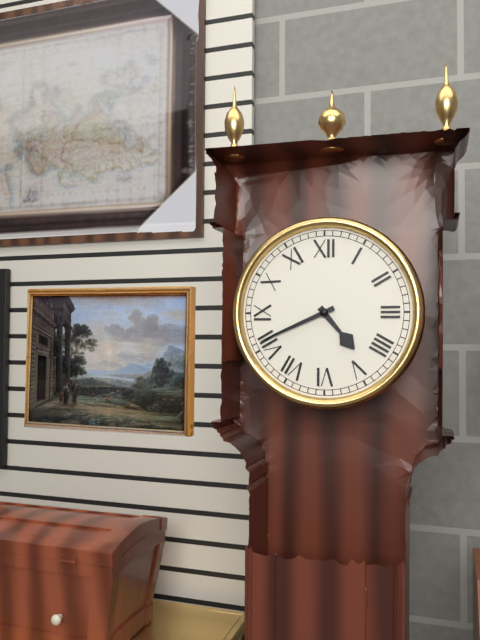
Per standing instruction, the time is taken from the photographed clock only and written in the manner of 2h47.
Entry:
4h41
